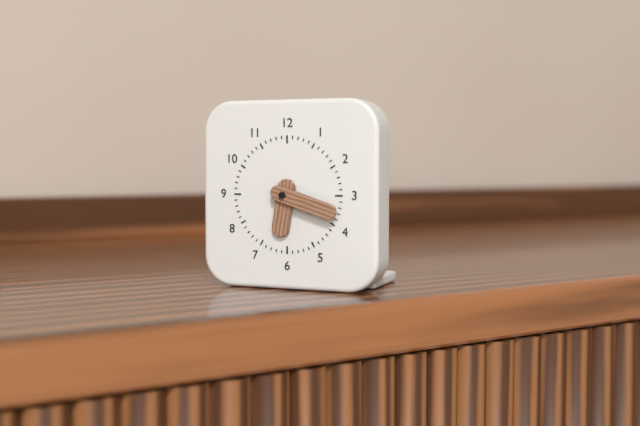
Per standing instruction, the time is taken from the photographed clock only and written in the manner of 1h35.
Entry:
6h18
